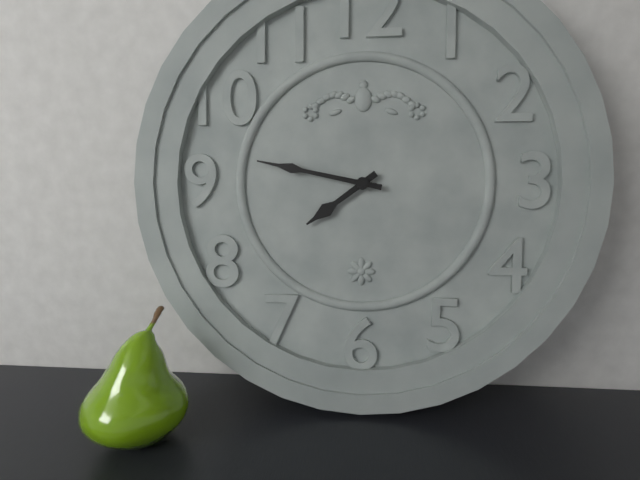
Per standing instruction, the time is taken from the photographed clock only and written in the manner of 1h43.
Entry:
7h47
